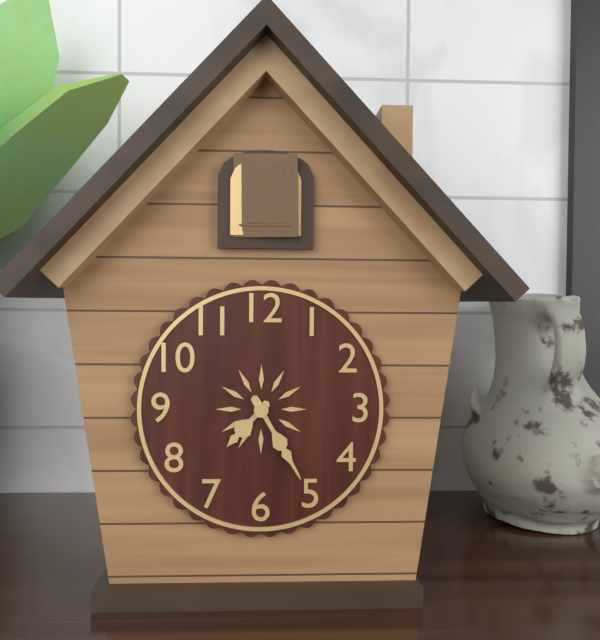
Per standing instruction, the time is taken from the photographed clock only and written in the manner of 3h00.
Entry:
7h25
